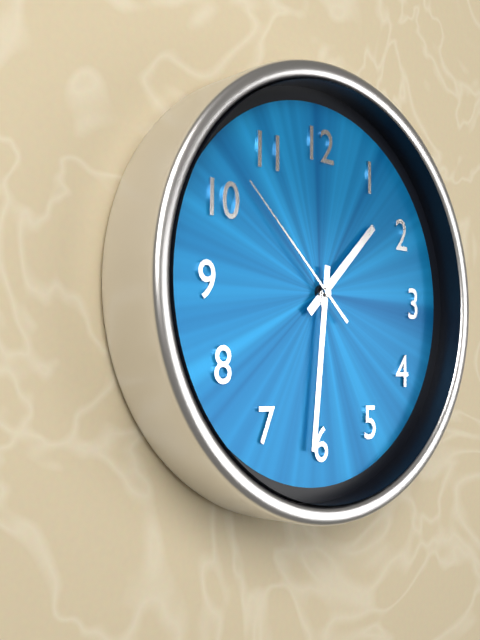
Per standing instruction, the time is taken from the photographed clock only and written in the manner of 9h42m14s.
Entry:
1h31m52s
